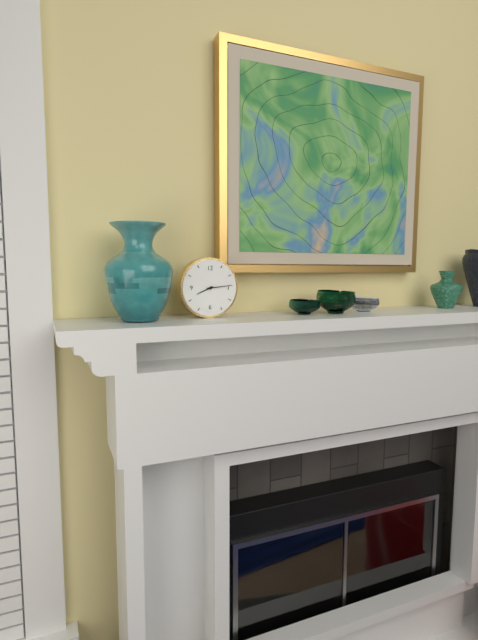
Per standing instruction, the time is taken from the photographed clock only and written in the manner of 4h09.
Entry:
8h14
